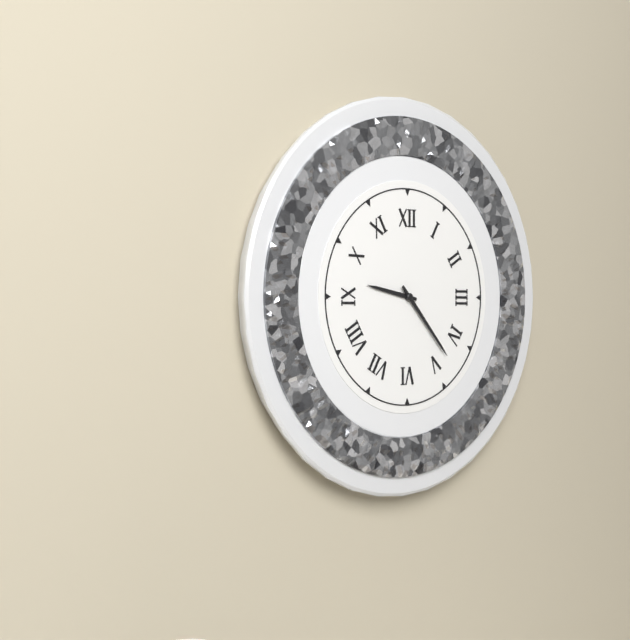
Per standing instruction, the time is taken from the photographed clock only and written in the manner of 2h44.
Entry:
9h23
